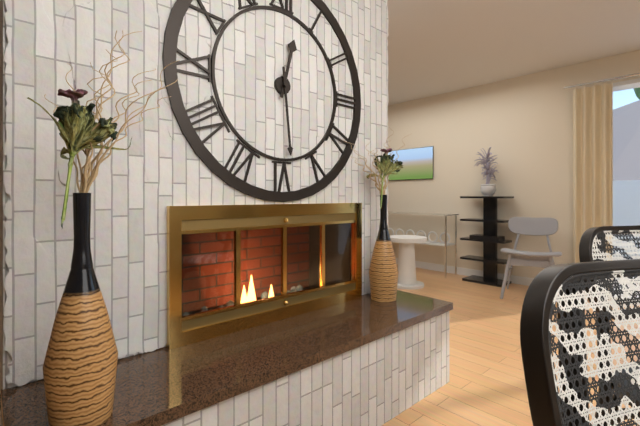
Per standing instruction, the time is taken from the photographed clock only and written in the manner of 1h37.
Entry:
12h29
